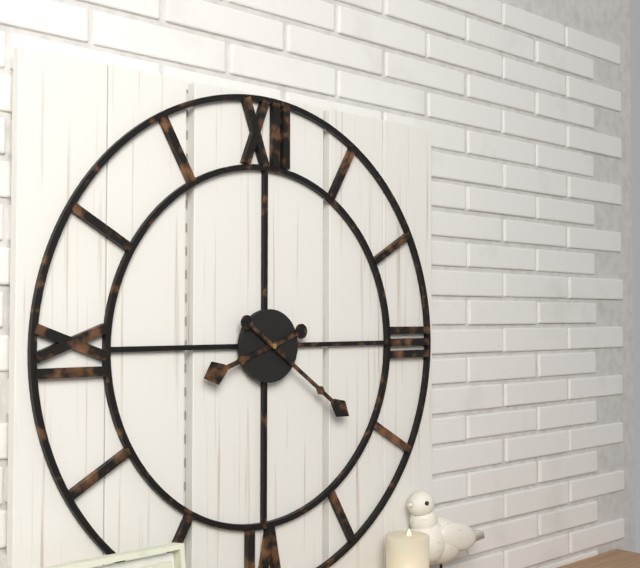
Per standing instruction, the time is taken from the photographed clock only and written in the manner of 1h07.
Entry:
8h21
